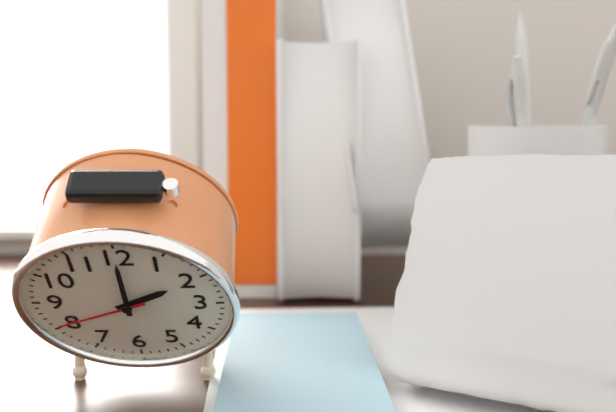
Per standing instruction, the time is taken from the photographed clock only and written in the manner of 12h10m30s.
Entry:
2h00m41s
